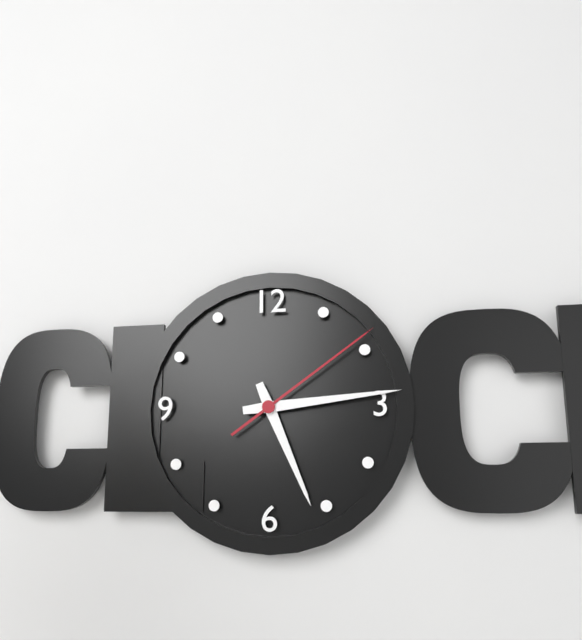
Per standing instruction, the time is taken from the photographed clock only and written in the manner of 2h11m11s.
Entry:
5h14m09s
